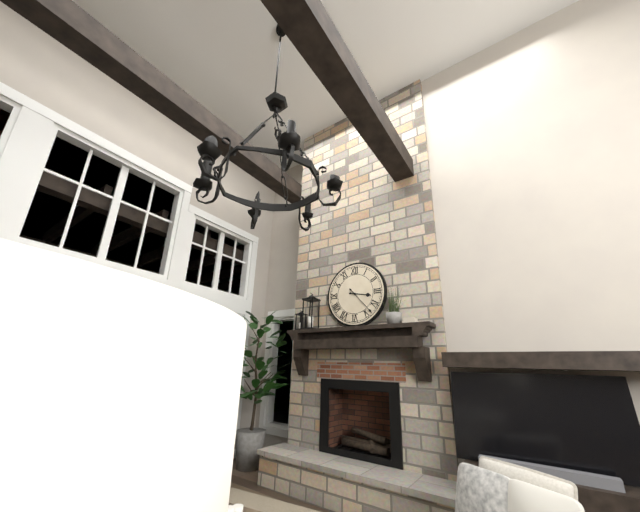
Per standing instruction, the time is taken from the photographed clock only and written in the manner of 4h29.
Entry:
3h23
